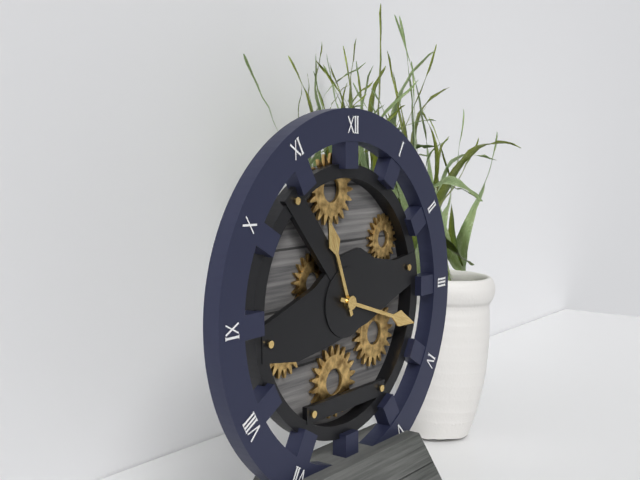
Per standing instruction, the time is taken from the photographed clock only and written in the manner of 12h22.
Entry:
11h18
